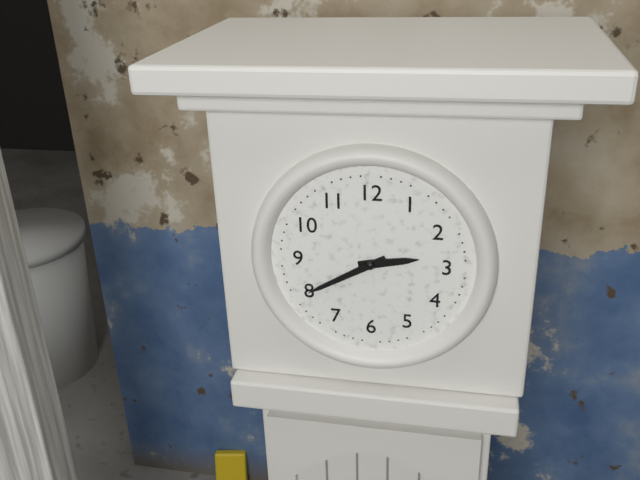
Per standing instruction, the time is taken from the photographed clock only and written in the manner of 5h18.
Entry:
2h40
